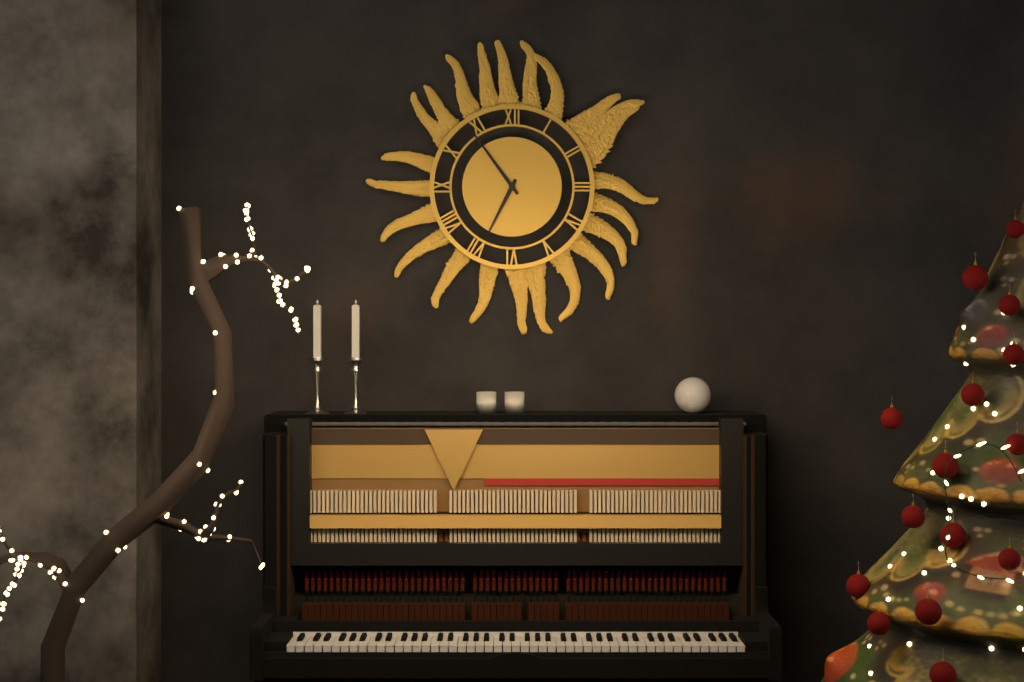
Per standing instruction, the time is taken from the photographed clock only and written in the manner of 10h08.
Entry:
6h54
